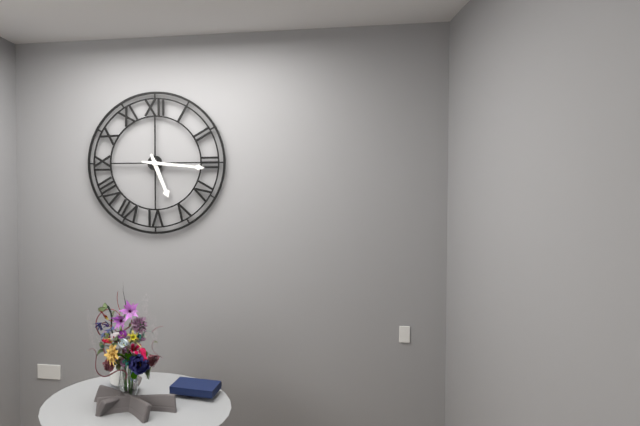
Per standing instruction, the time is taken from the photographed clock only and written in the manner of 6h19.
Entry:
5h16
